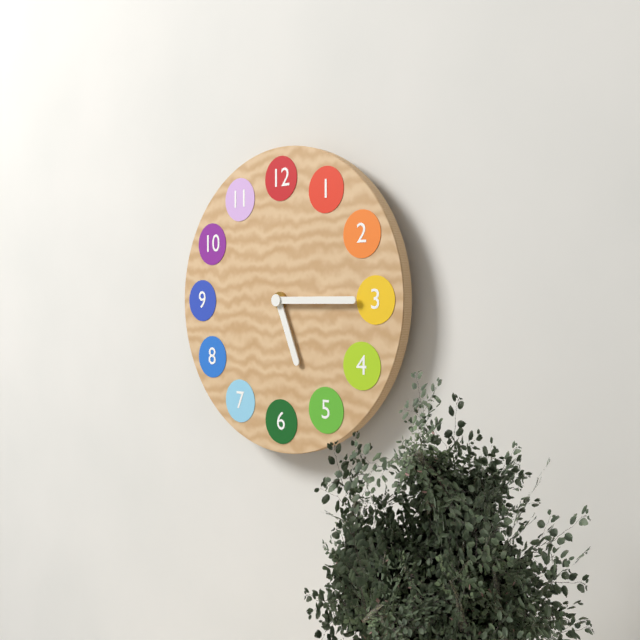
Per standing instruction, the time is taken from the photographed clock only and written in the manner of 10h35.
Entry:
5h15
